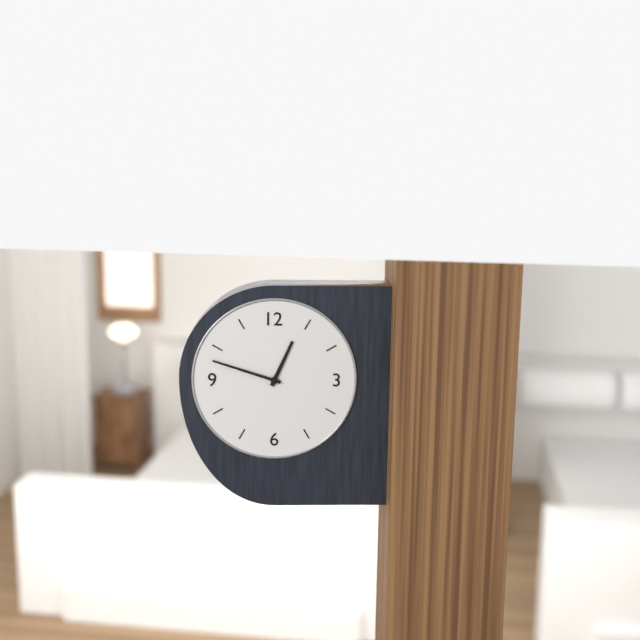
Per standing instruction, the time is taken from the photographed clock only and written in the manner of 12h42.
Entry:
12h48
